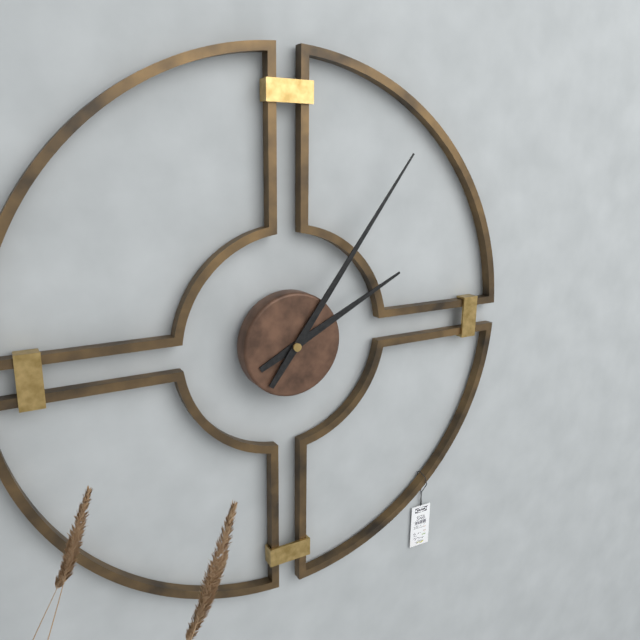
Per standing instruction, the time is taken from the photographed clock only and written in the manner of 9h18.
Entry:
2h06
